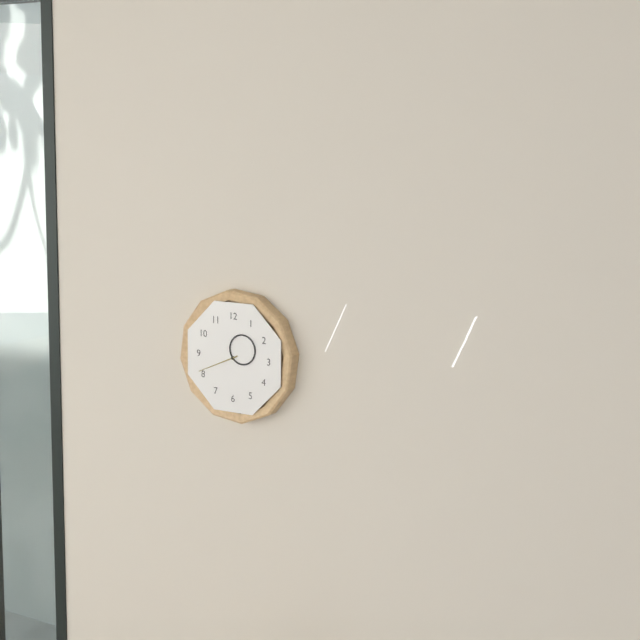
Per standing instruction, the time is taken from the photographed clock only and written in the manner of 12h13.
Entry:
1h41
